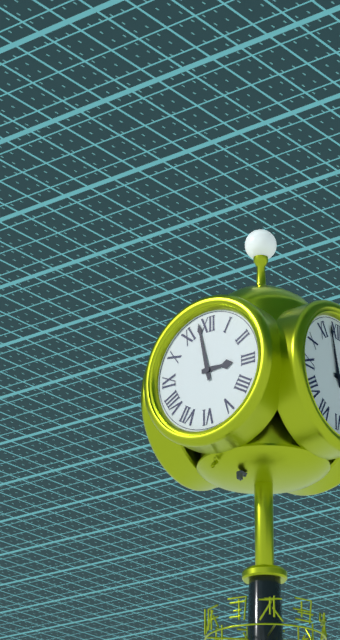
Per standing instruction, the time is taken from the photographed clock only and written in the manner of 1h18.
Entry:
2h58
